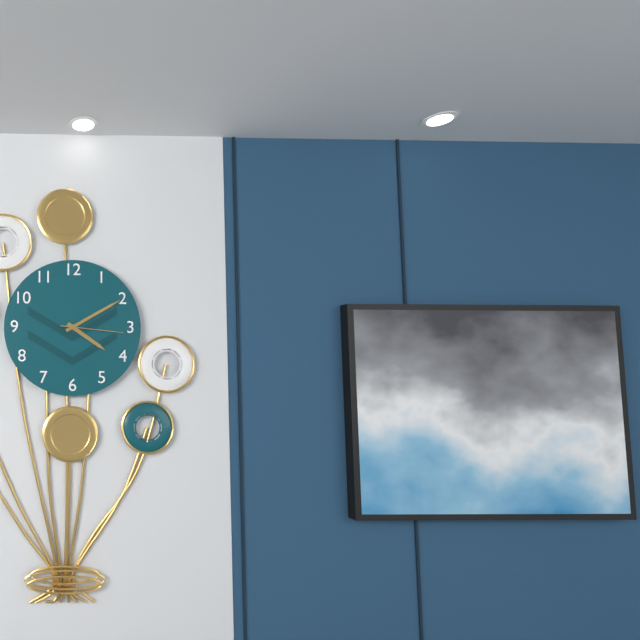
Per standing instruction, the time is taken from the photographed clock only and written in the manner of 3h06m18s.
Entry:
4h10m16s
